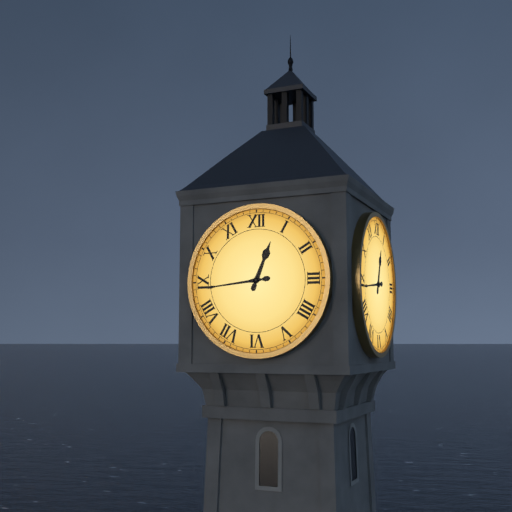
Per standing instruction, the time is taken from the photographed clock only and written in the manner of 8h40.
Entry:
12h44
